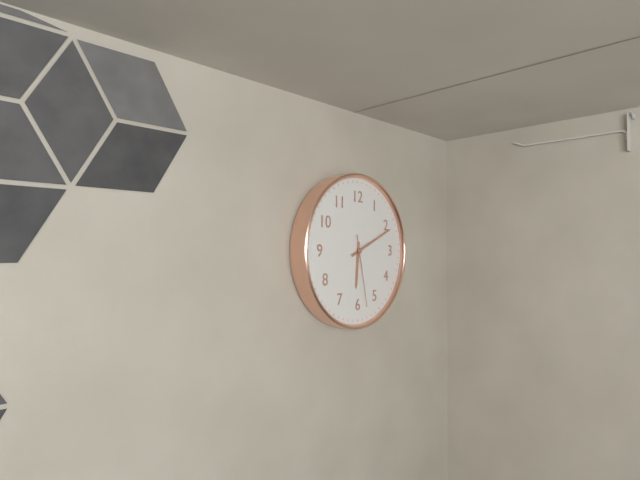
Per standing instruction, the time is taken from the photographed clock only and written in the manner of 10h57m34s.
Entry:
6h11m28s
